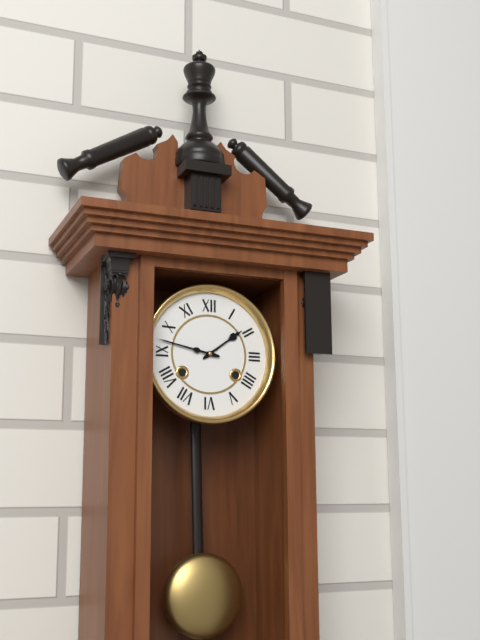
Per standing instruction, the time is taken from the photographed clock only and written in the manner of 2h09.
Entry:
1h47
